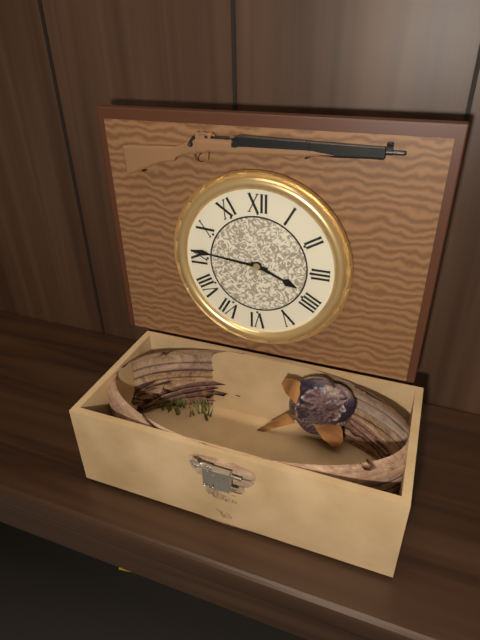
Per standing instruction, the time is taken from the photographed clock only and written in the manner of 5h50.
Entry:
3h46
